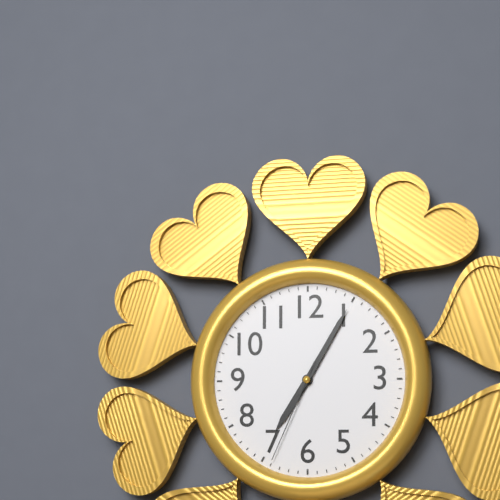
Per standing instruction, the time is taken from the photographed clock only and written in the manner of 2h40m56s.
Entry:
7h05m34s
